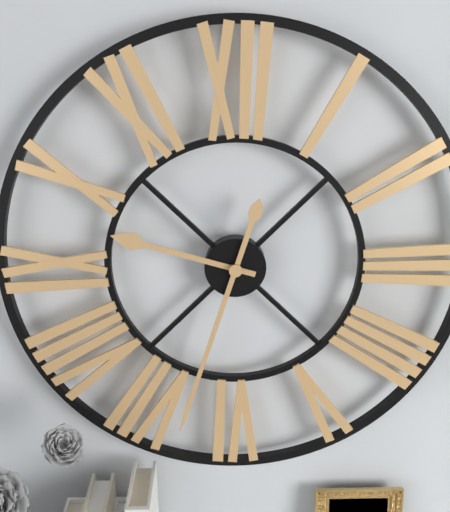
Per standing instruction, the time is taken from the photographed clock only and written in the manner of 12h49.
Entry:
9h33
